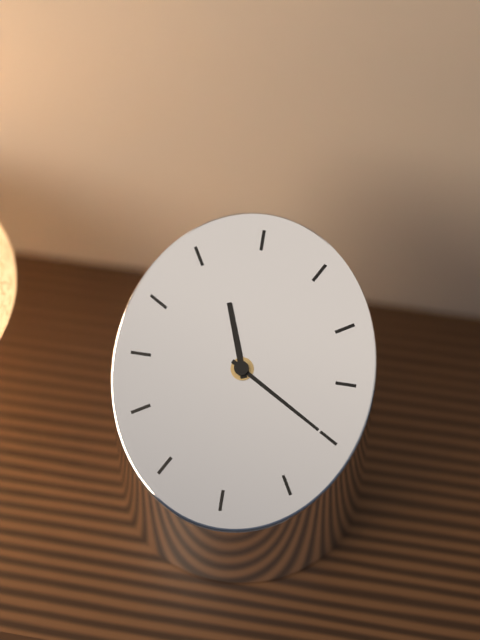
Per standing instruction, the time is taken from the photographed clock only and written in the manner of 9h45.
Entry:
11h20
